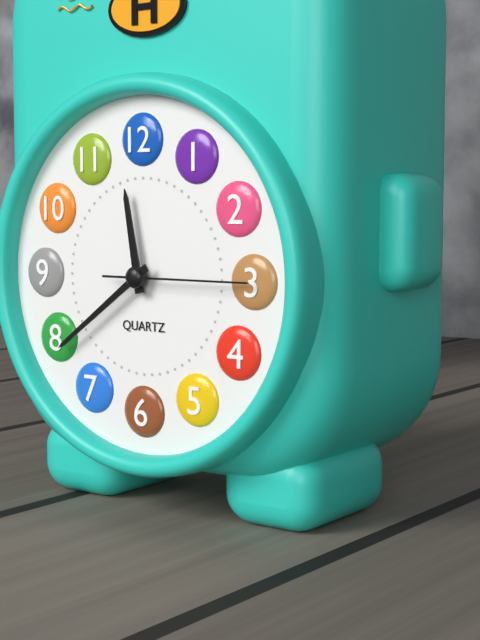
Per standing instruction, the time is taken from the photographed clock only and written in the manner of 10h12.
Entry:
11h39
